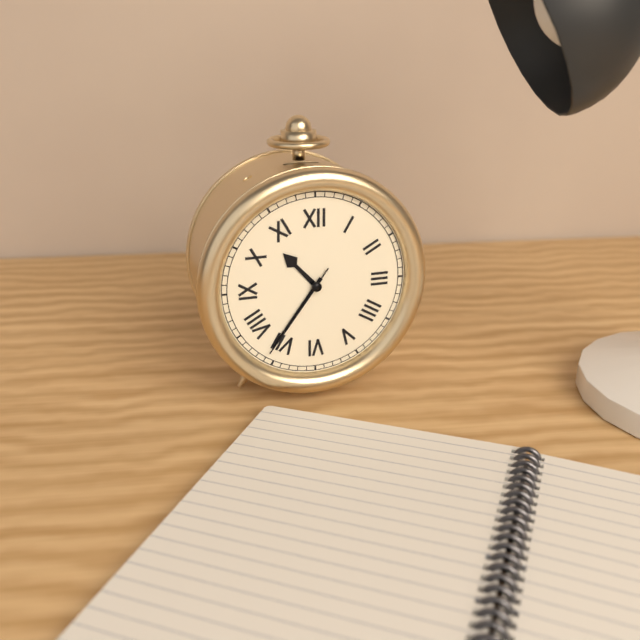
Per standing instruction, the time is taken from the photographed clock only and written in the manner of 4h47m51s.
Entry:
10h36m36s
